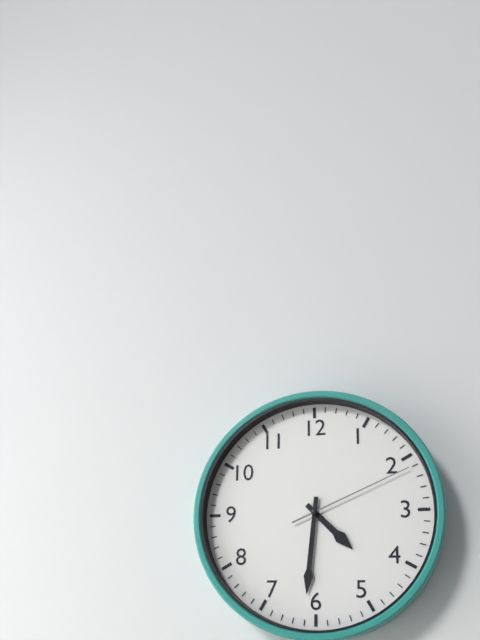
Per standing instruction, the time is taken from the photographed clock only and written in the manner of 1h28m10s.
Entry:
4h31m11s
